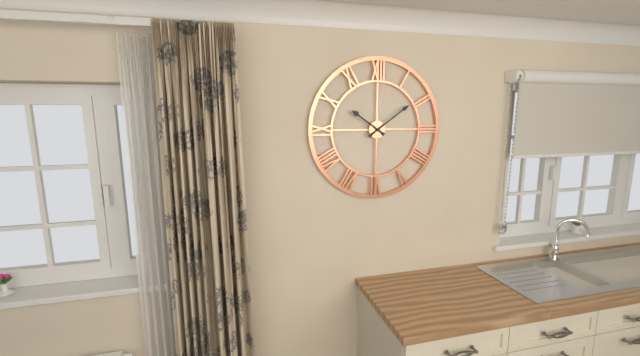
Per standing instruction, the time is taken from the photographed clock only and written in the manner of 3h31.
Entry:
10h09
